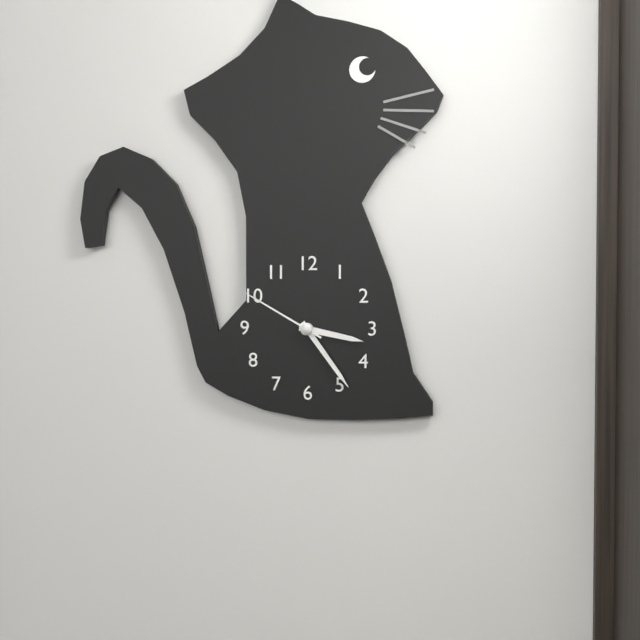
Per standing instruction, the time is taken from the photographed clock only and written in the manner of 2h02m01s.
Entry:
3h24m50s
